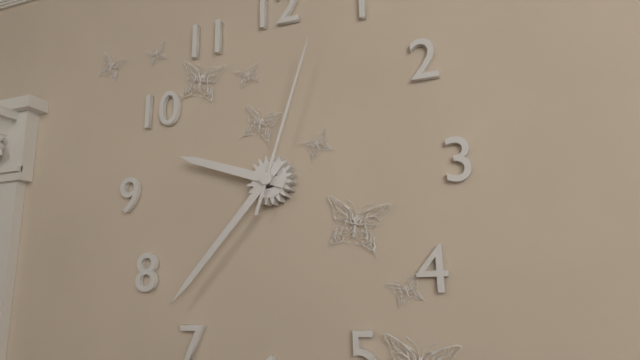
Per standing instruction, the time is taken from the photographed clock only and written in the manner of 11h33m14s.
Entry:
9h37m03s
